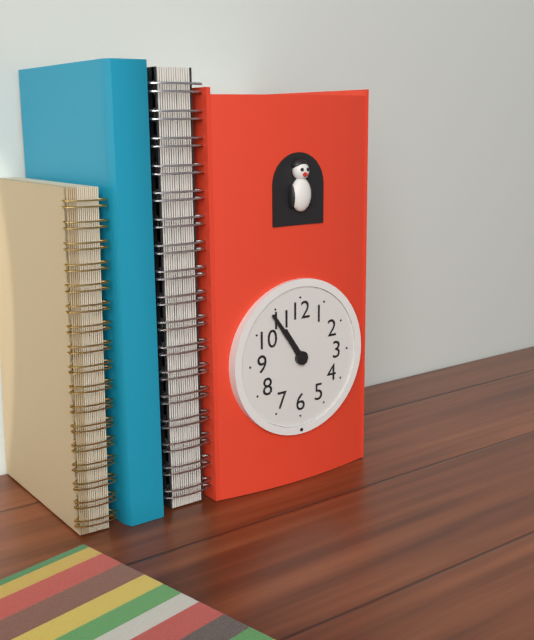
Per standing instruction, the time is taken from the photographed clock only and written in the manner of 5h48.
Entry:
10h54
